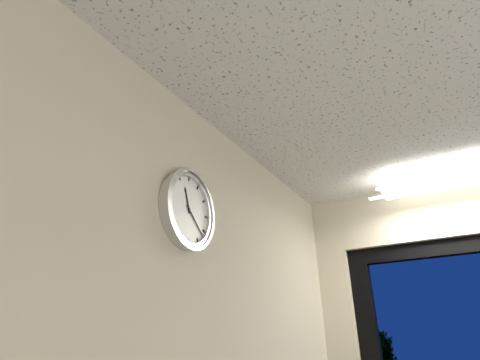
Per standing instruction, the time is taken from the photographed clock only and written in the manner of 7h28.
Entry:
11h22
